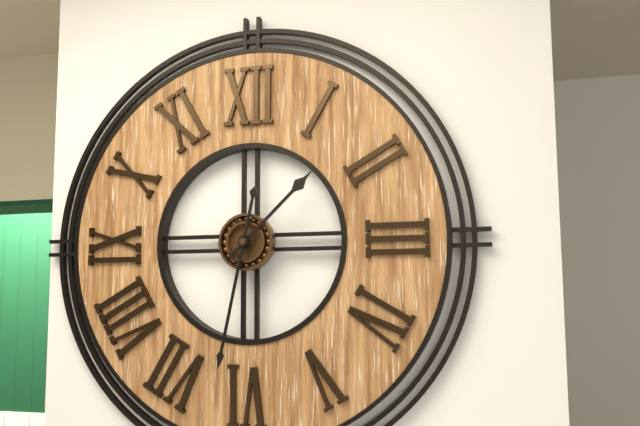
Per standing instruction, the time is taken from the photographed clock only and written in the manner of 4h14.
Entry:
1h32
